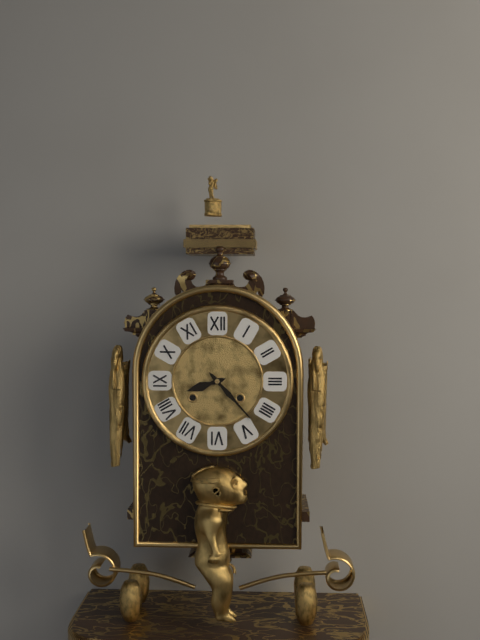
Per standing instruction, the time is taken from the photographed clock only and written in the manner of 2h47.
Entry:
8h23
